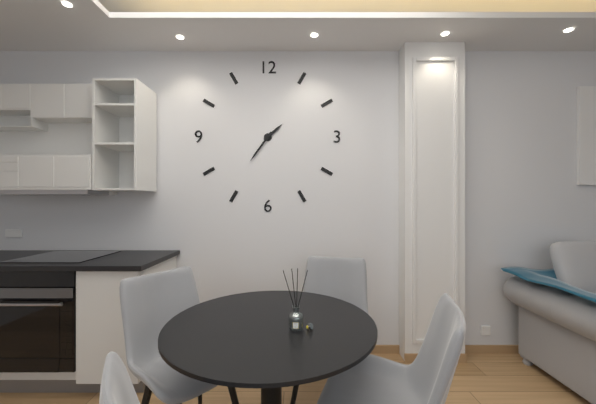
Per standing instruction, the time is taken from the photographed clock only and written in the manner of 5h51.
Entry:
1h36
